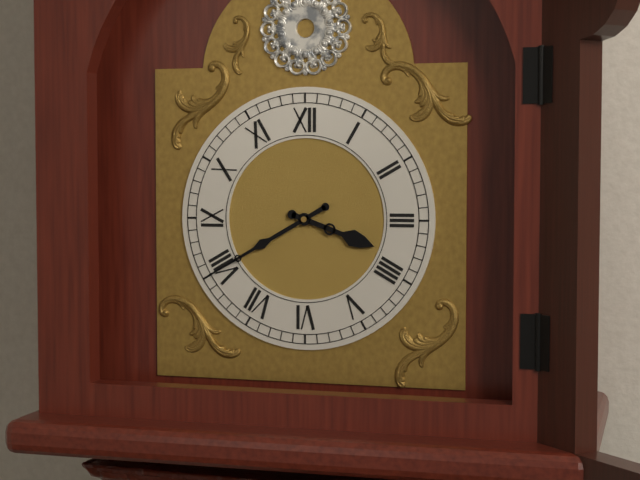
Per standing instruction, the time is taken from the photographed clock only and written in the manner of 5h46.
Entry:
3h40
